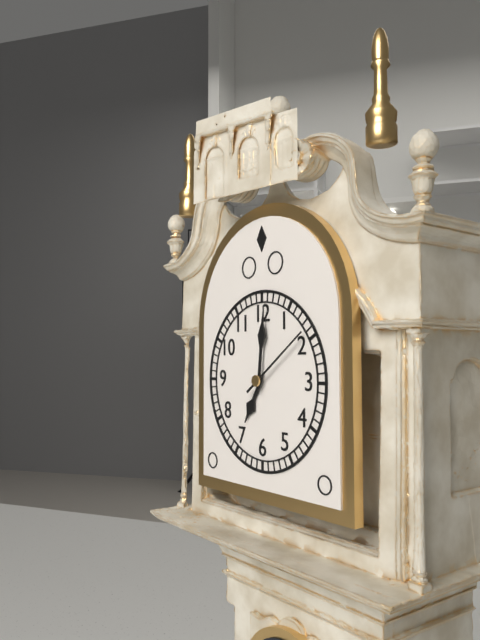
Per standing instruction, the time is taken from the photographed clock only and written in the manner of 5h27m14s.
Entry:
7h01m09s
